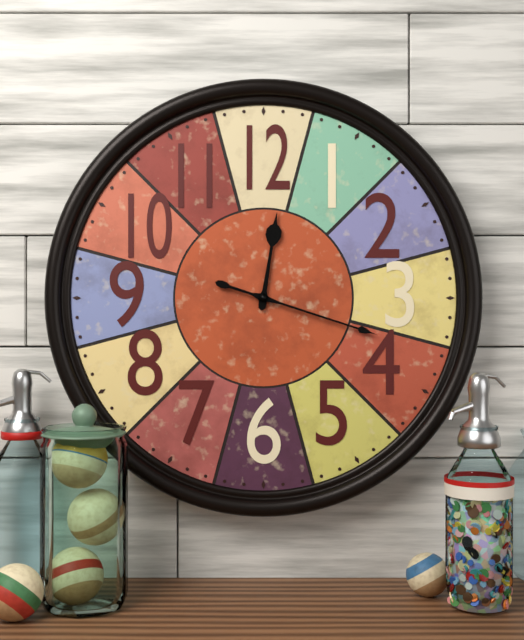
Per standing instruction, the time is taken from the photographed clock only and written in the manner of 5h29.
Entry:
12h18
